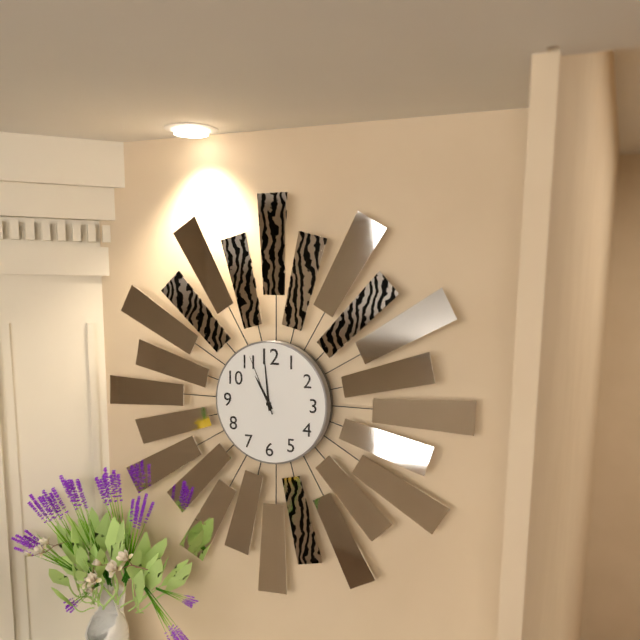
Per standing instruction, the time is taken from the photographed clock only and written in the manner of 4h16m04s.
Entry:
10h59m56s
